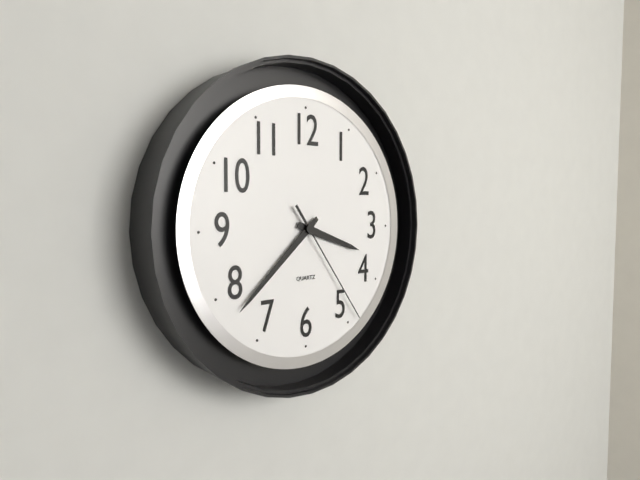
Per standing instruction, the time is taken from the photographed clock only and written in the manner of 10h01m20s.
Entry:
3h38m24s
